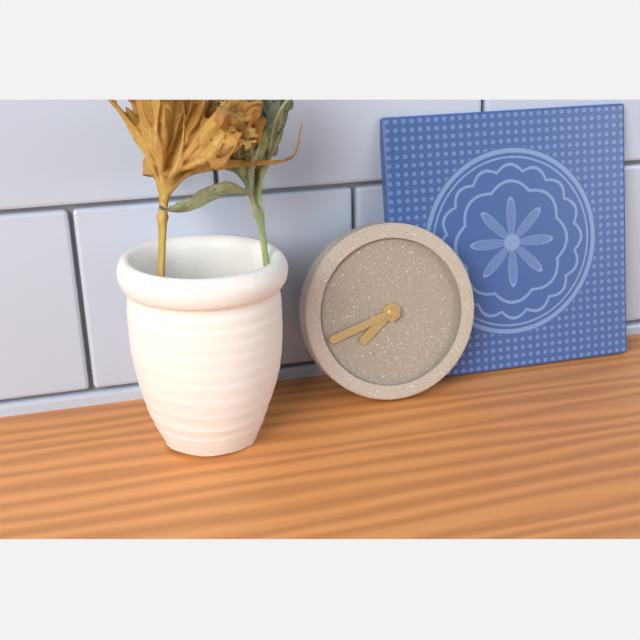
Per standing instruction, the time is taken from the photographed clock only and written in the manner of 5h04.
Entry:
7h42
